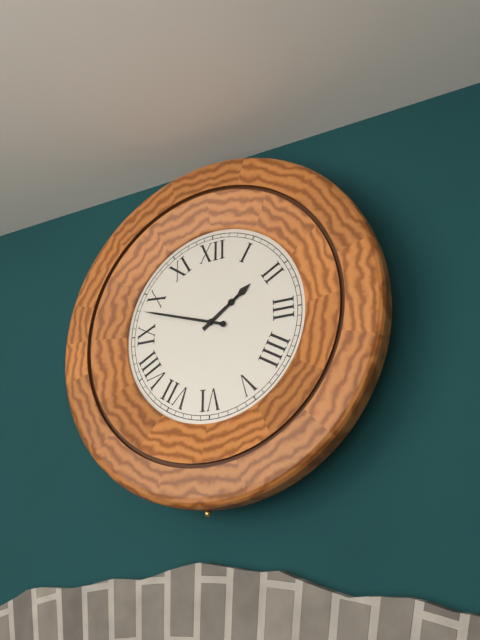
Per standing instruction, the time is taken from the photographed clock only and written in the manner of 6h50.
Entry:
1h48
